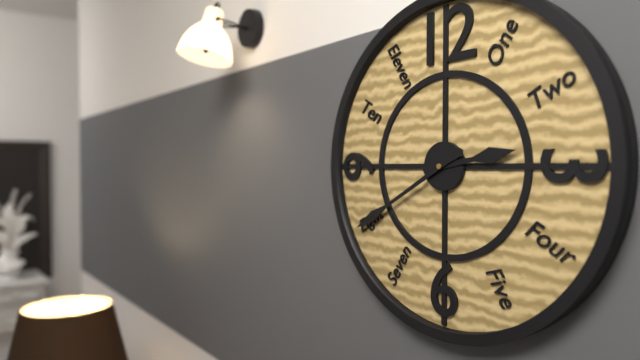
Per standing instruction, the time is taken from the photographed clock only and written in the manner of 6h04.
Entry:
2h40
